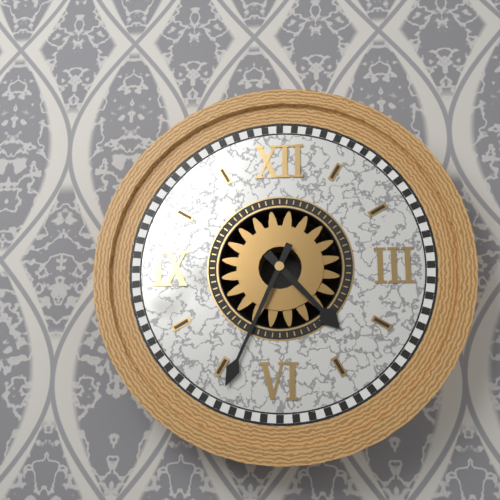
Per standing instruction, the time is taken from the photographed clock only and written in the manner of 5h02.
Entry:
4h34
